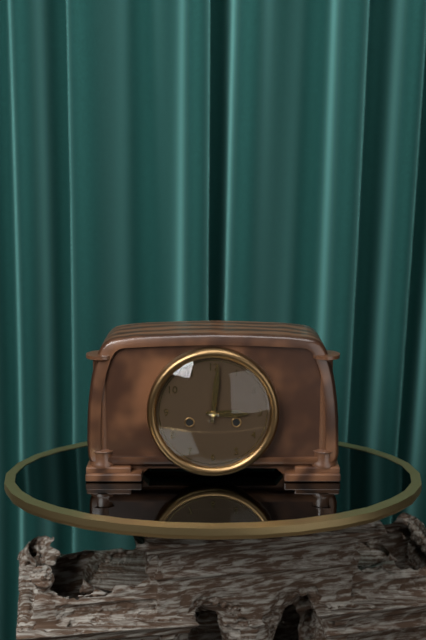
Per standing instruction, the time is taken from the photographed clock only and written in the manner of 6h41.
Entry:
3h01
